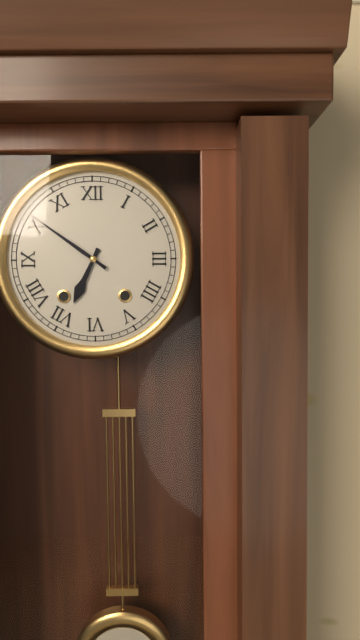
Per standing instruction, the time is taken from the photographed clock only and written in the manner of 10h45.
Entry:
6h51
